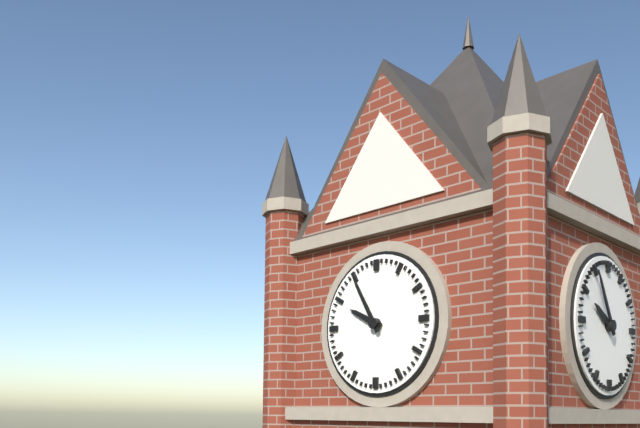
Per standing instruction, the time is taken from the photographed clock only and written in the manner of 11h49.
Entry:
9h55
